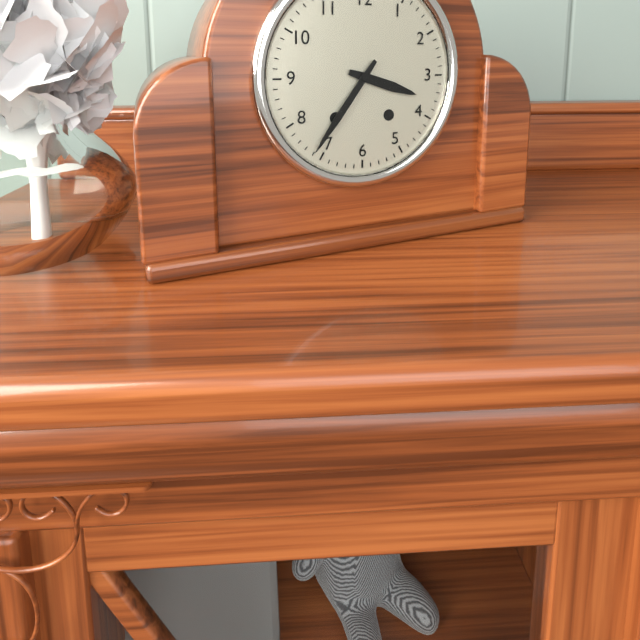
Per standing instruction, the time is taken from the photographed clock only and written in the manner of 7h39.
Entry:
3h36
